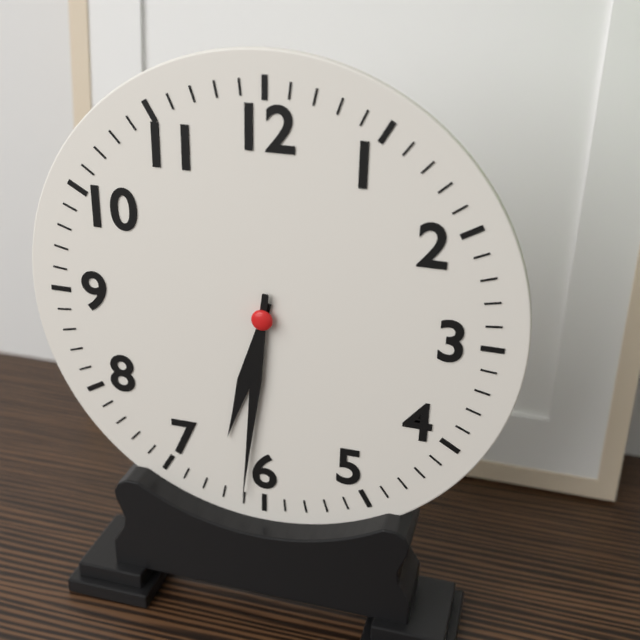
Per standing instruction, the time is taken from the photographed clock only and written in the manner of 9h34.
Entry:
6h31
